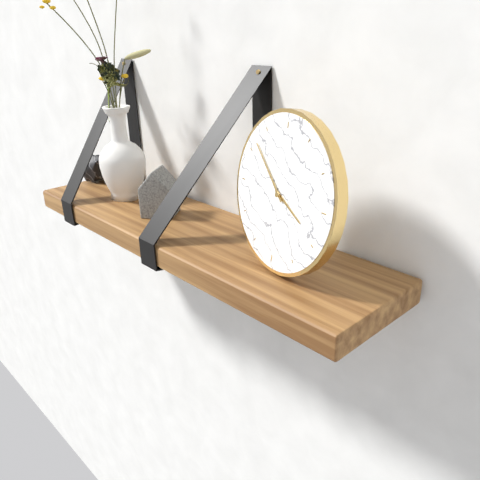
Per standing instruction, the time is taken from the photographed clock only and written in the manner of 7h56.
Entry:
3h52
